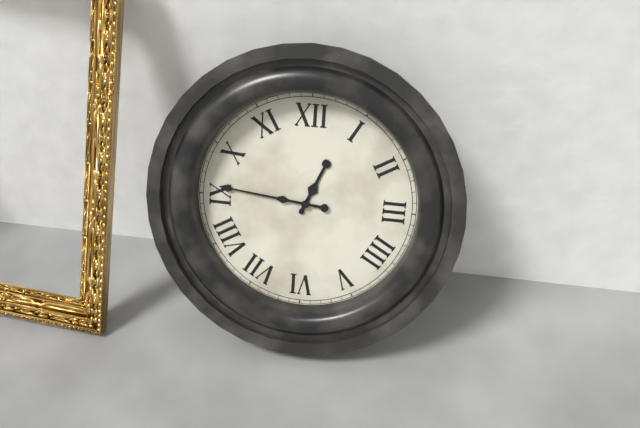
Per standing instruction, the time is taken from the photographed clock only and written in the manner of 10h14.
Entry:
12h46
